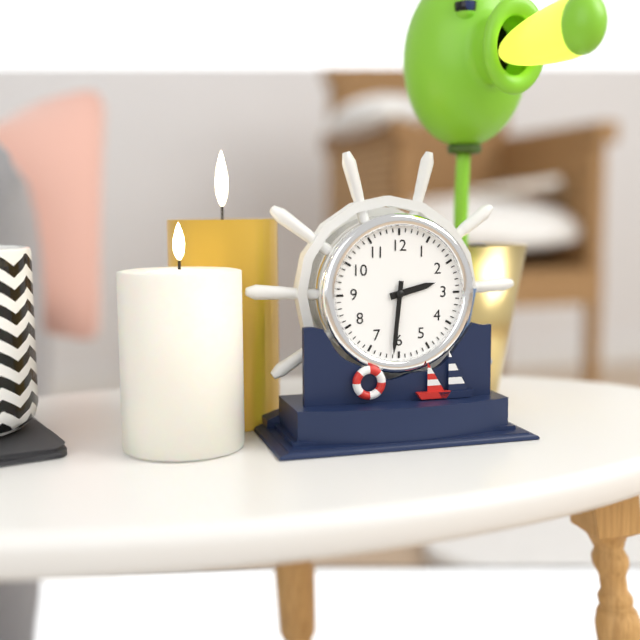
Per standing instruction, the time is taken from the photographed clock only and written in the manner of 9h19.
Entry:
2h31
